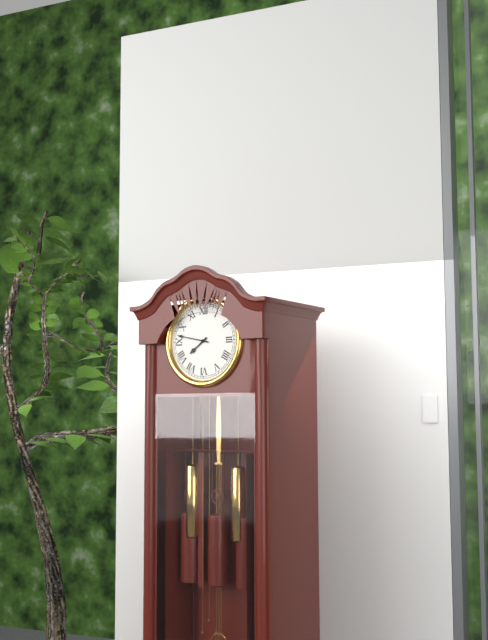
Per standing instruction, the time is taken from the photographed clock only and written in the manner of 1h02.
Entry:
7h47
